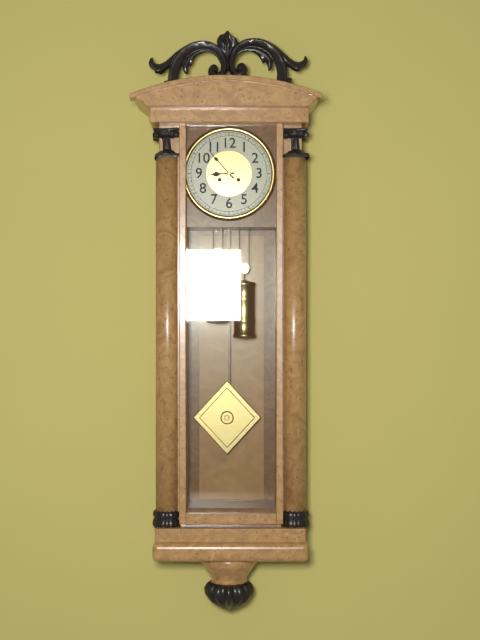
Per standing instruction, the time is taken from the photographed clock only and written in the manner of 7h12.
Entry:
8h53
